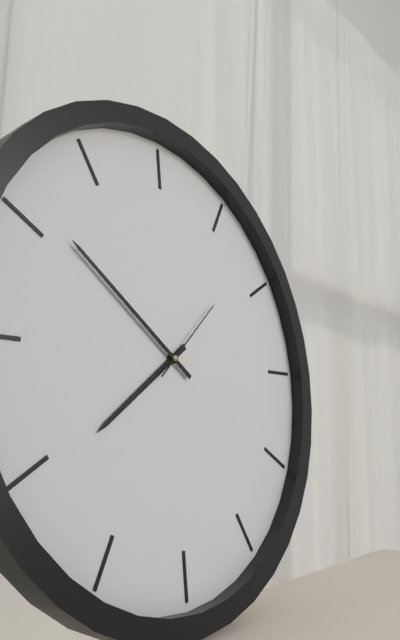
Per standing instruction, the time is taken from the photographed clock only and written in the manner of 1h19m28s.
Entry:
7h51m08s
